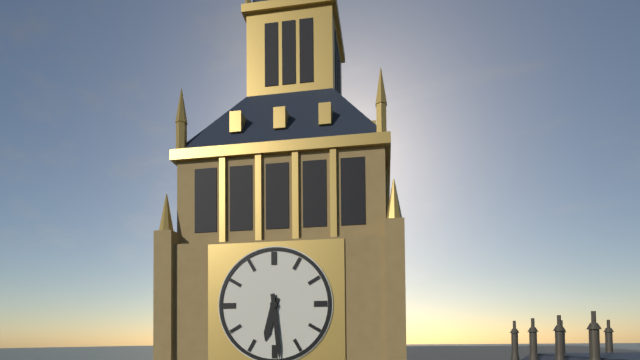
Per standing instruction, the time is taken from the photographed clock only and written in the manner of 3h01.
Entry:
6h29
